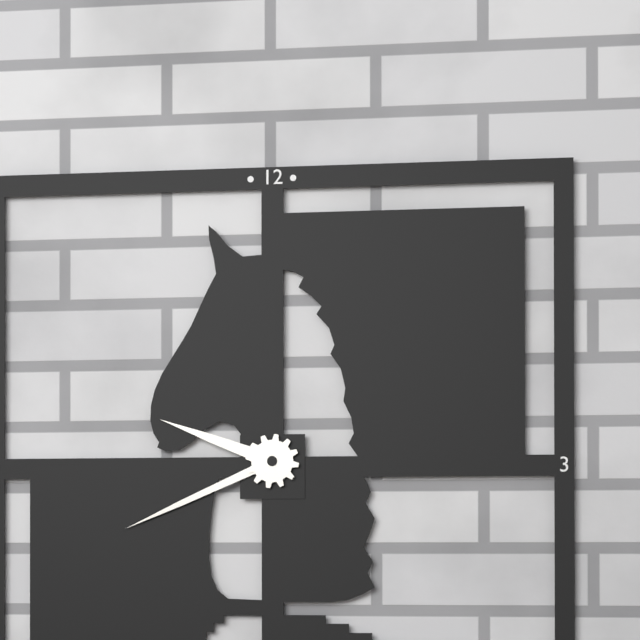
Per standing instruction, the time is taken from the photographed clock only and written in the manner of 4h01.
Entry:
9h41
